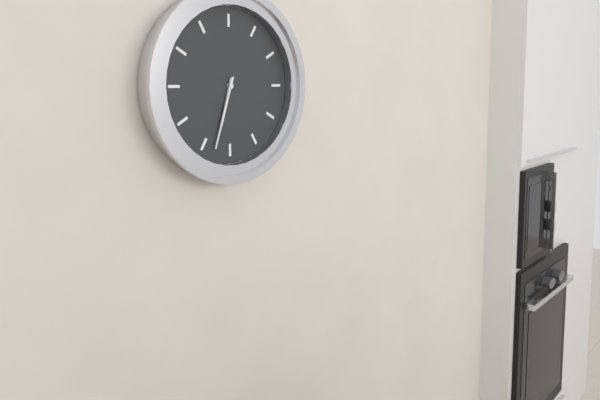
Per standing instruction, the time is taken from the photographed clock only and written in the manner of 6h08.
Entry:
6h33
